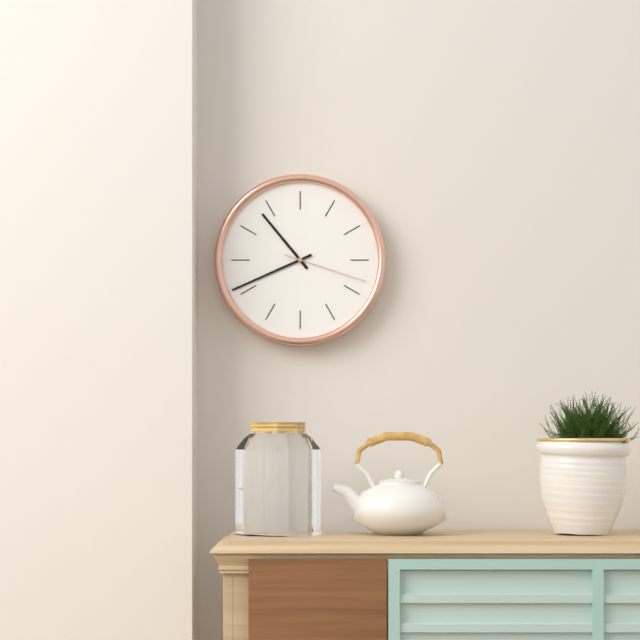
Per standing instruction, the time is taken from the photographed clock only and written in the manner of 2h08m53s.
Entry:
10h41m18s
